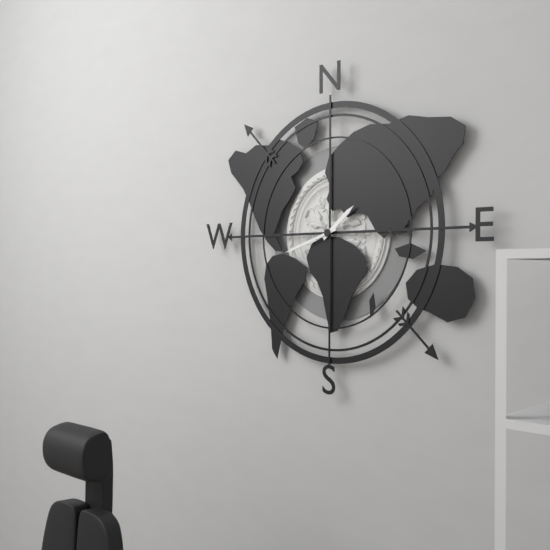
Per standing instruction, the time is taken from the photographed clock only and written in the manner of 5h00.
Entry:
1h42
